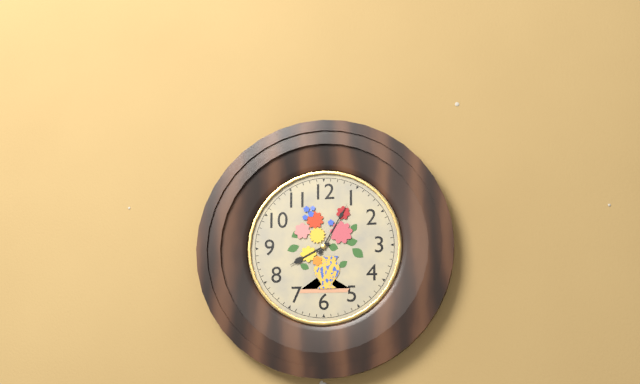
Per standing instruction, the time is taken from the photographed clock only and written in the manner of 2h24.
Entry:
8h05
